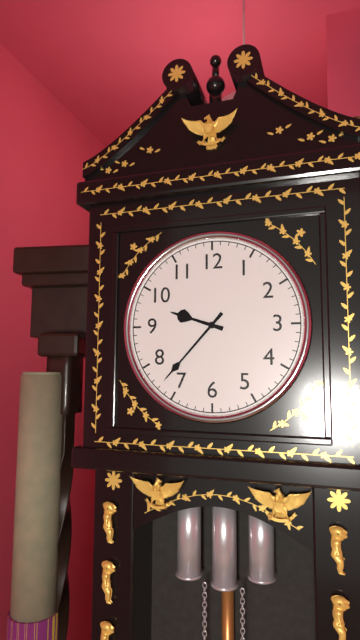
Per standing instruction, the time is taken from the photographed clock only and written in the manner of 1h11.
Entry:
9h37
